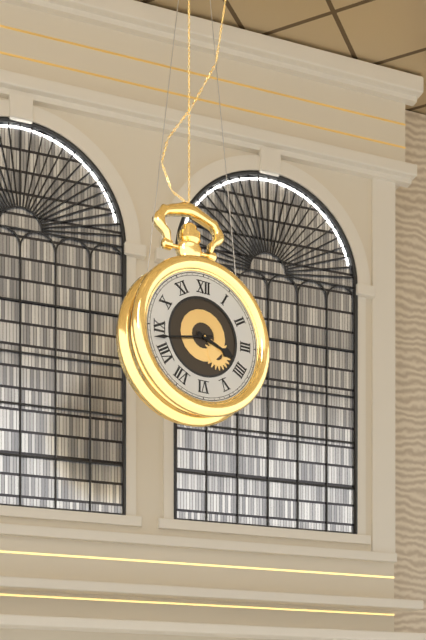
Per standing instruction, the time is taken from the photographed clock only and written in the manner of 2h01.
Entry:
3h43
